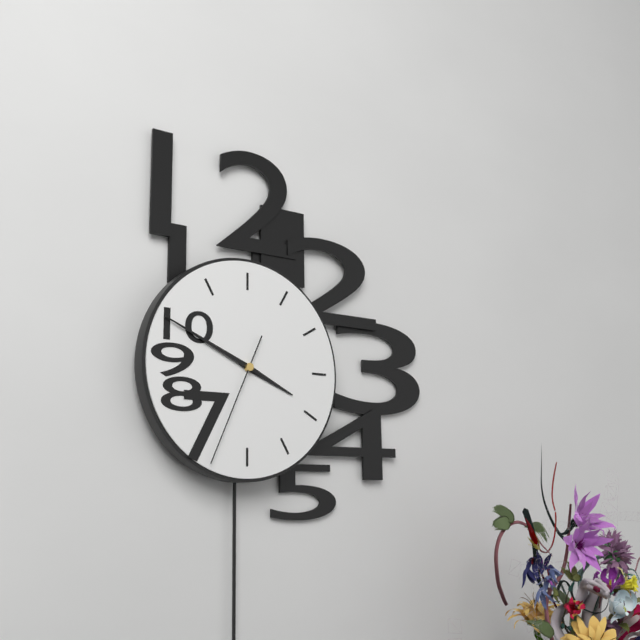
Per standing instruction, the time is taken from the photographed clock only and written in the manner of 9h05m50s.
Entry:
3h49m34s
